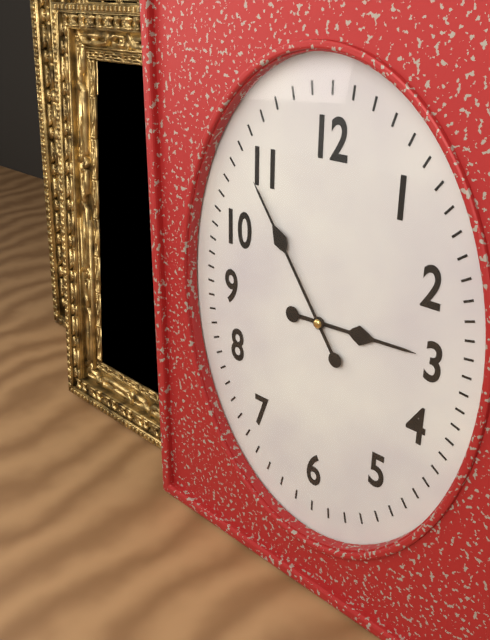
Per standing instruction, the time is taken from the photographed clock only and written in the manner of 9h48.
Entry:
2h54
